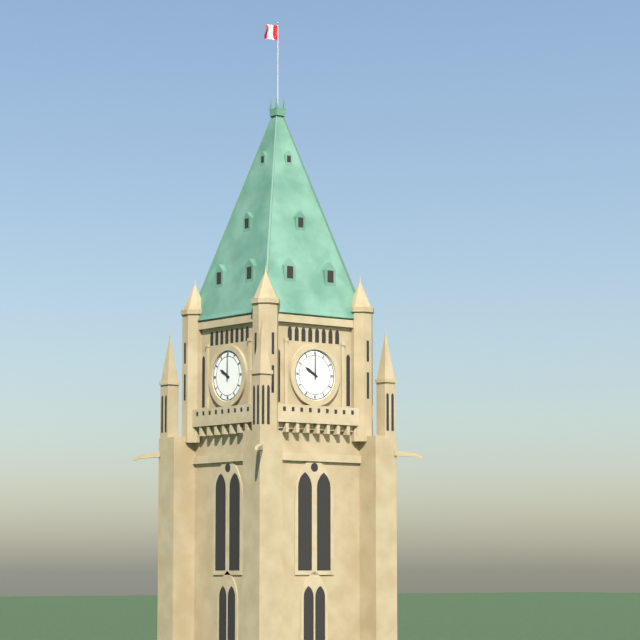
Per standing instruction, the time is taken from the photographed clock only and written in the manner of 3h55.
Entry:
10h00
